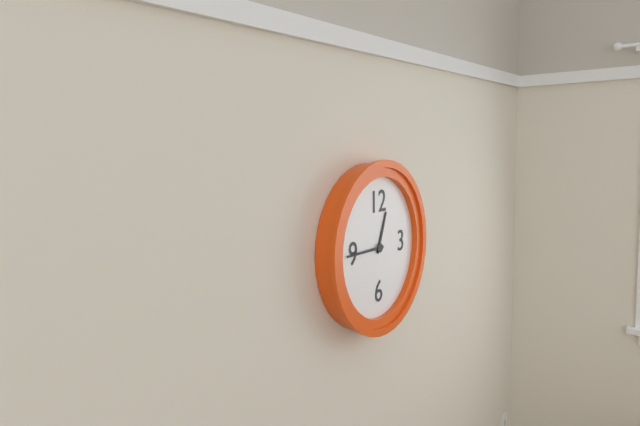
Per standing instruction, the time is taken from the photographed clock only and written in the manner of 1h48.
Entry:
12h45
